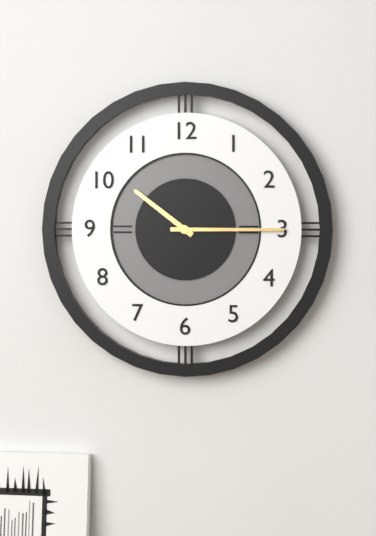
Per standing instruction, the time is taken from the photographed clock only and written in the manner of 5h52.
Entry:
10h15
